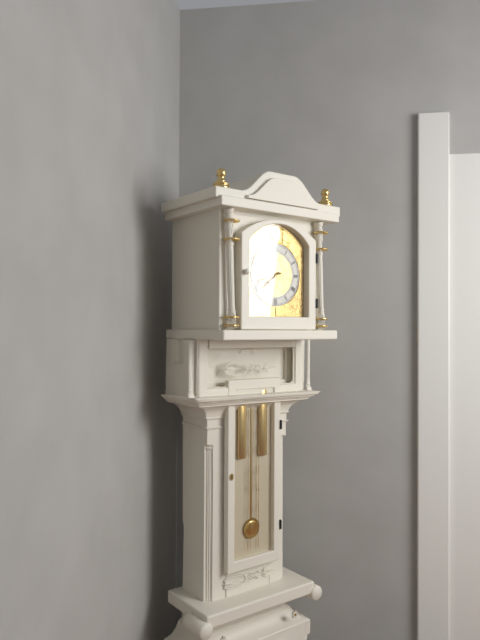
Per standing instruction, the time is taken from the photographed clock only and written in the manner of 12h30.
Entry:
7h42
